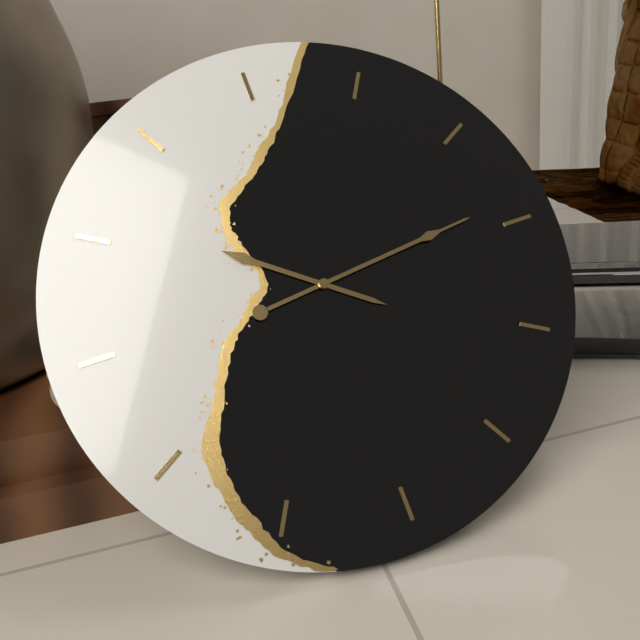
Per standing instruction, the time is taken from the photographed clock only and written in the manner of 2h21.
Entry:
10h14
